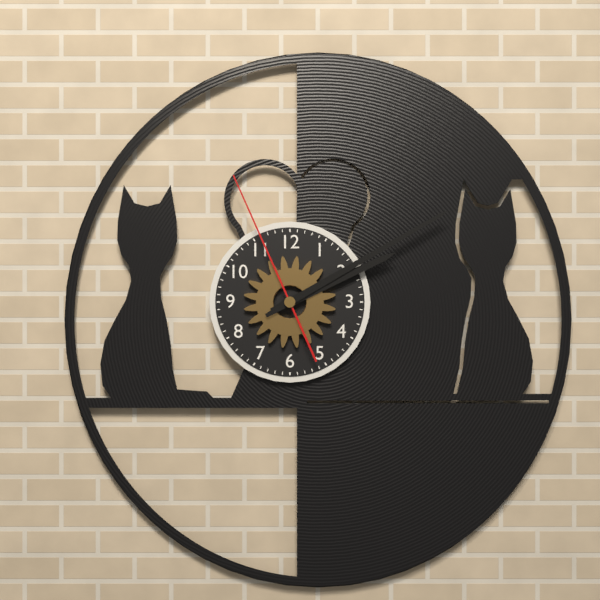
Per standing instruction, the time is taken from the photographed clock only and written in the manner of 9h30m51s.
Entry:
2h10m56s
